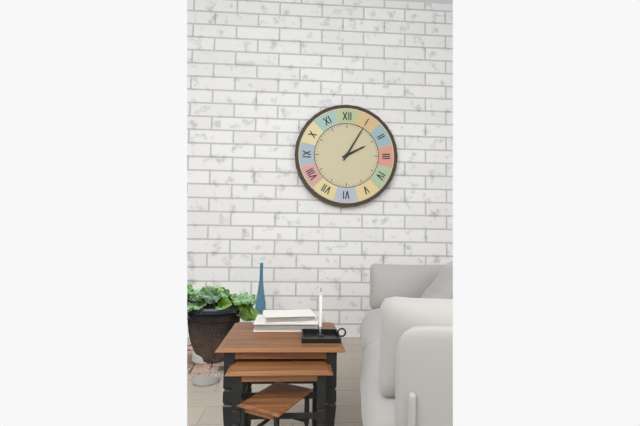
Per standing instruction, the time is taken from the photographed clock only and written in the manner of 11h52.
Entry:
2h05
